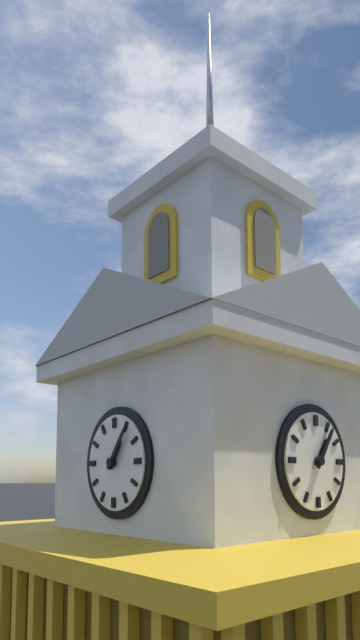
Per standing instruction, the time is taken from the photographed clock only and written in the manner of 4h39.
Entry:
1h06
